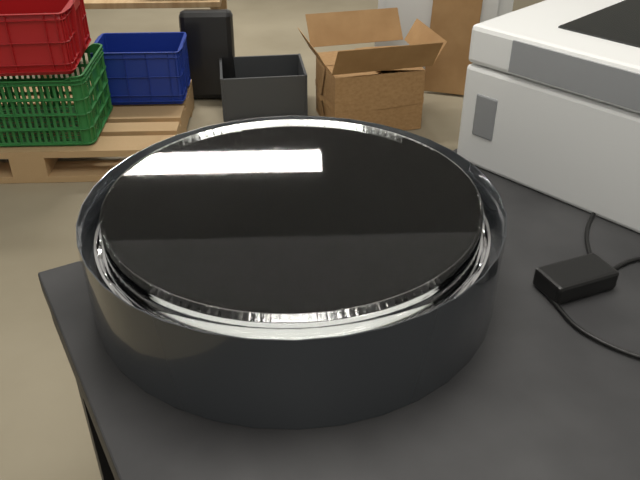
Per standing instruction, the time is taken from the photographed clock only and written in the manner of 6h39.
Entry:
6h42
